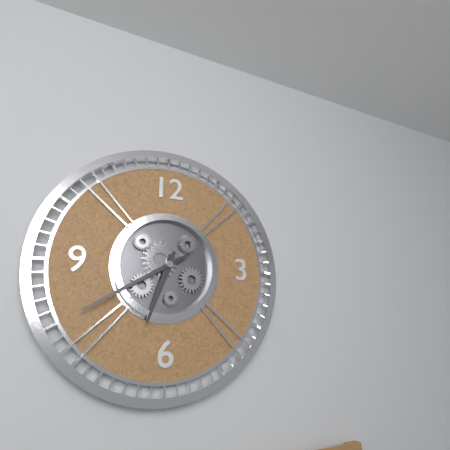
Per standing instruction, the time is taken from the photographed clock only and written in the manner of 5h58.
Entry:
6h40
